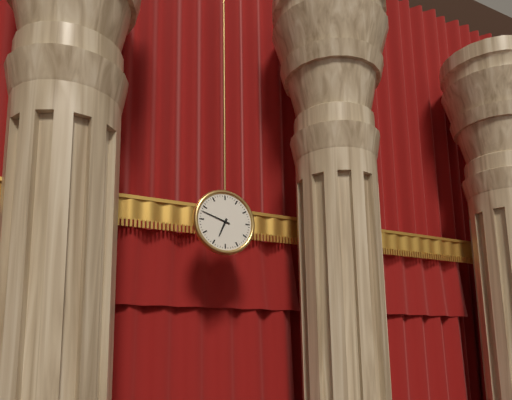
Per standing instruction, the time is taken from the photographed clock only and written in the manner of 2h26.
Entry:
6h48
